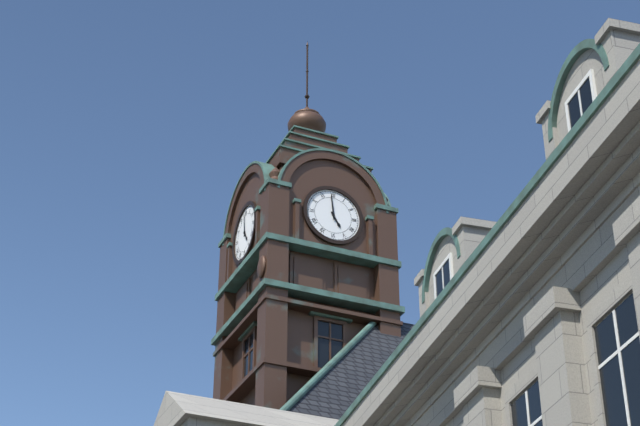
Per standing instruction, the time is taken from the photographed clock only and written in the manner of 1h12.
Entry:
4h59
